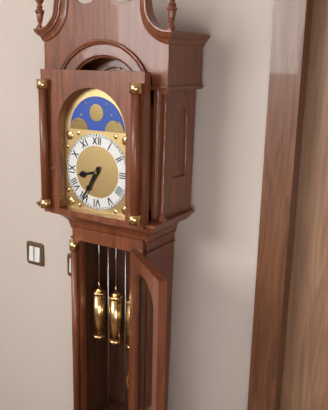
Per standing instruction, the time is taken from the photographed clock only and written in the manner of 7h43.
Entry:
8h35
